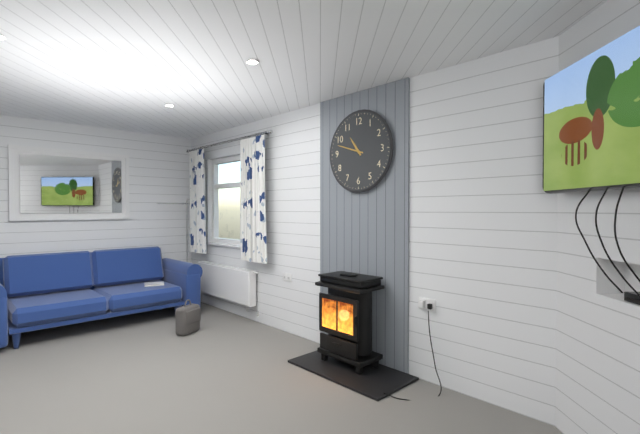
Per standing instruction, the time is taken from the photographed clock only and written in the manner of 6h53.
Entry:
10h48
